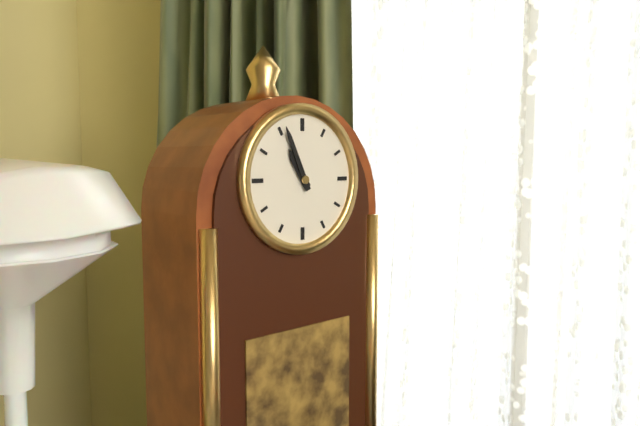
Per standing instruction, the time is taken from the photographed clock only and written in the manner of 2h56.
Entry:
10h56
